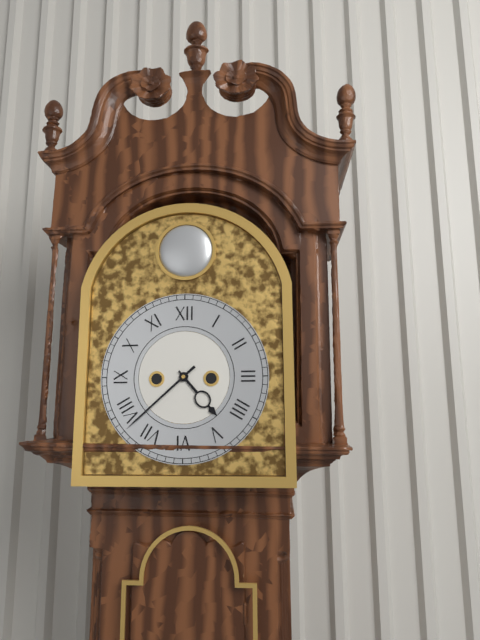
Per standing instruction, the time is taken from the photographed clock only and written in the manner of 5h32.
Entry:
4h38
